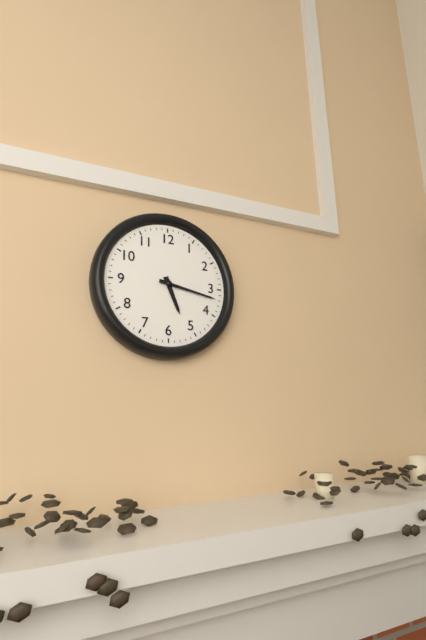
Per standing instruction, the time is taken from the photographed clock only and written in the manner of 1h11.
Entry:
5h17
